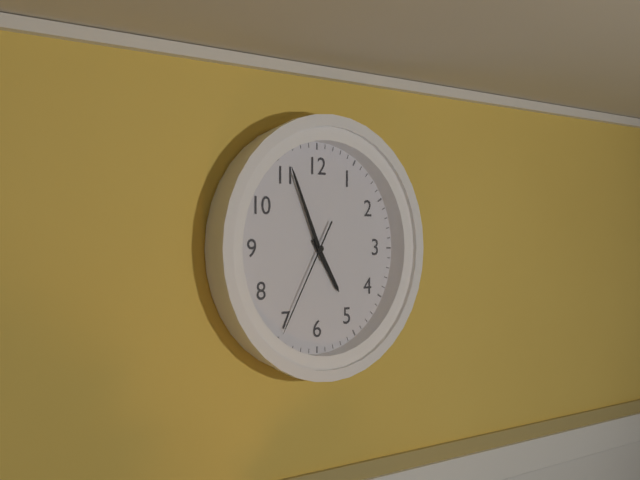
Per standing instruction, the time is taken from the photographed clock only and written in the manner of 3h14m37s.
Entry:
4h56m35s
